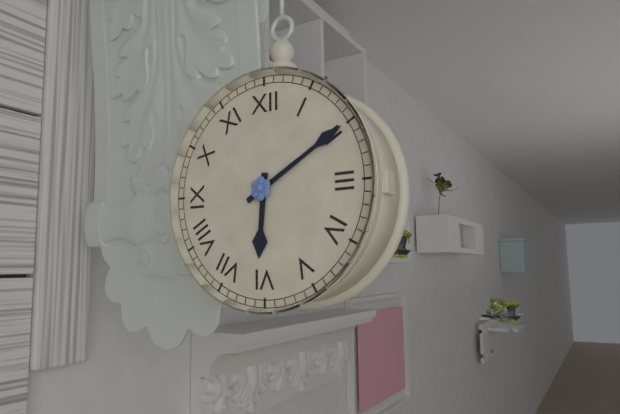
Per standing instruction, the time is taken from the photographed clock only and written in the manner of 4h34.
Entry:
6h10
